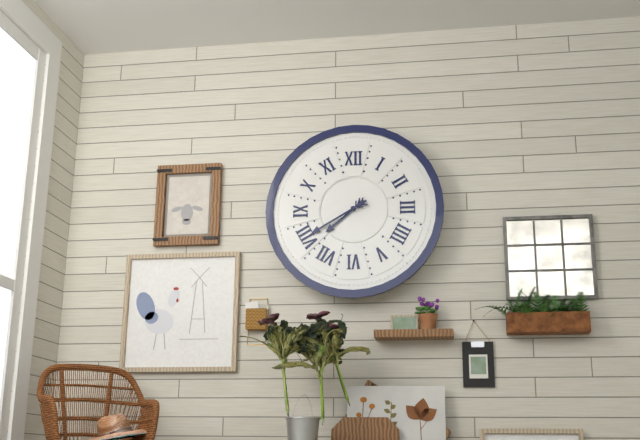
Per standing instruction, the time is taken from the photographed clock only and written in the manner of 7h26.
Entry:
7h40
